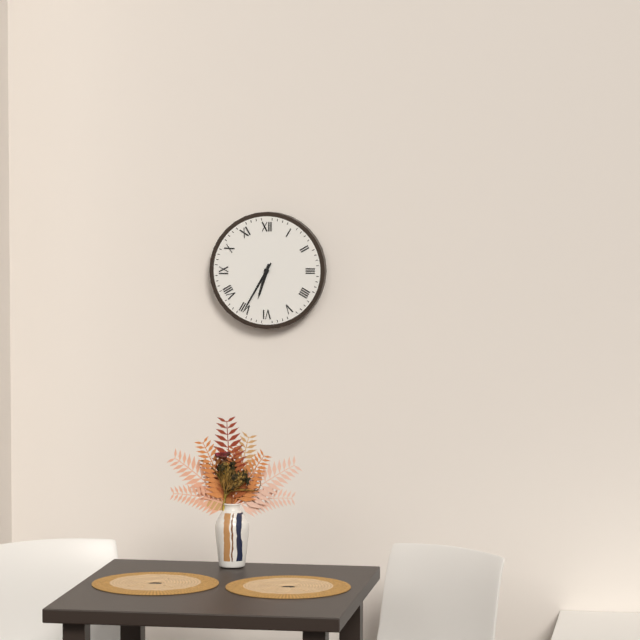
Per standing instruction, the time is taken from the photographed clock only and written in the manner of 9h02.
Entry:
6h35
